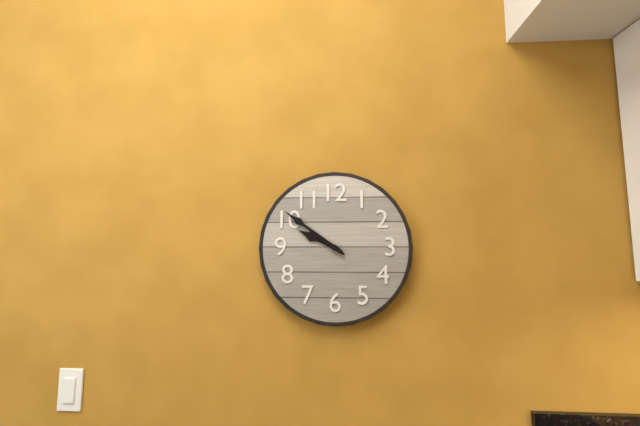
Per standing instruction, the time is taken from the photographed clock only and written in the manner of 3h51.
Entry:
9h51
